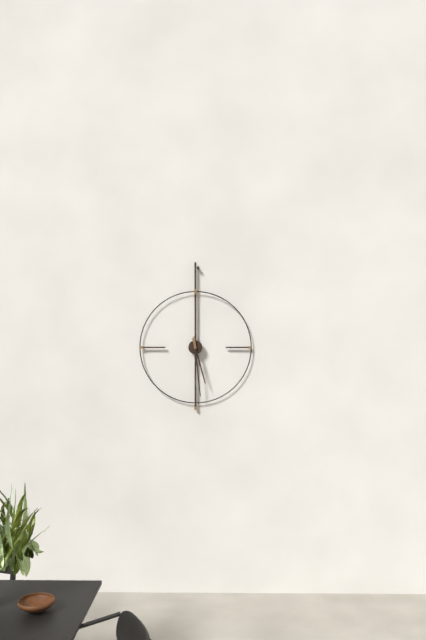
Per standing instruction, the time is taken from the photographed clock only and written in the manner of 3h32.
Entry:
5h29
